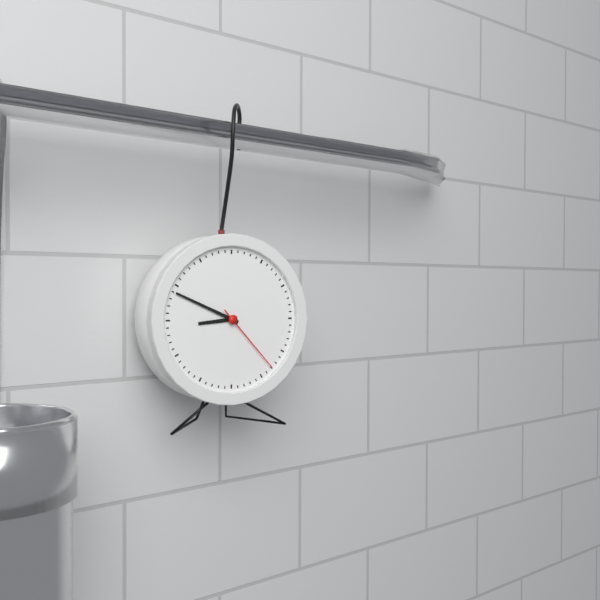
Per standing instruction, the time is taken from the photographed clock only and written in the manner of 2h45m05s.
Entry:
8h49m23s
